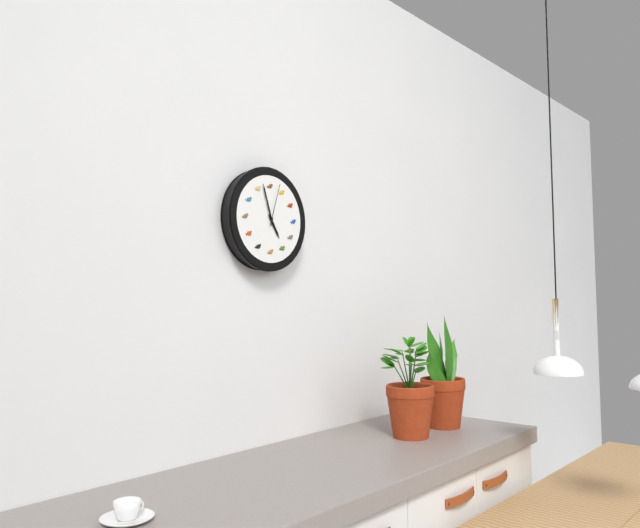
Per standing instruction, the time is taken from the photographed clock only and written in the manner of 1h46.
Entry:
4h57
